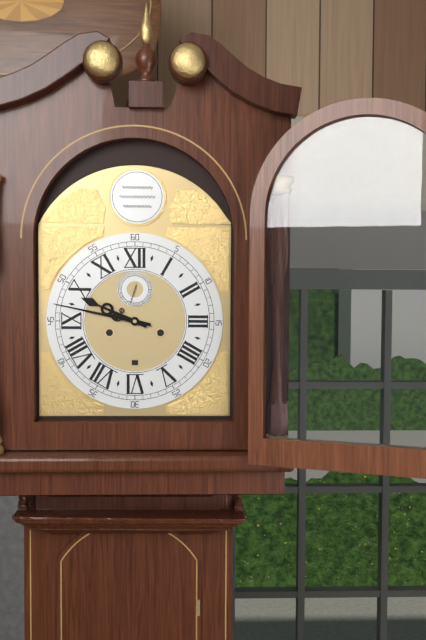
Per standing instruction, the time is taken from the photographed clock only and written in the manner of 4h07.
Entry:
9h47
